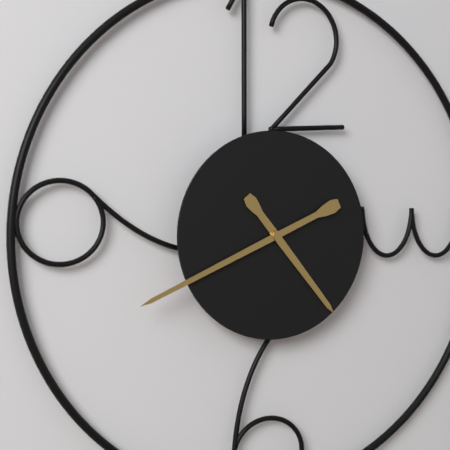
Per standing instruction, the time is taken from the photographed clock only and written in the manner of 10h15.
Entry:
4h41
